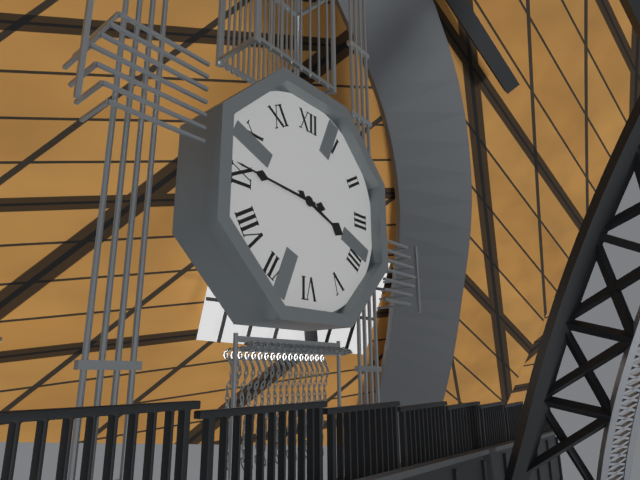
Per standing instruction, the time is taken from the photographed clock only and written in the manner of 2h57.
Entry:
3h46
